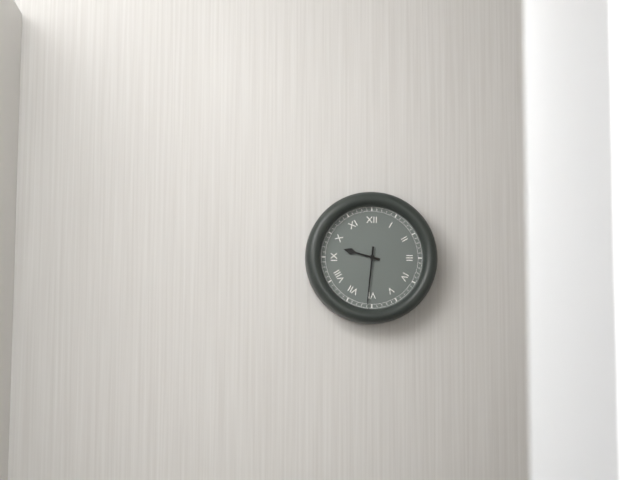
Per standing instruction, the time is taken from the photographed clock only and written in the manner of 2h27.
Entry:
9h31
